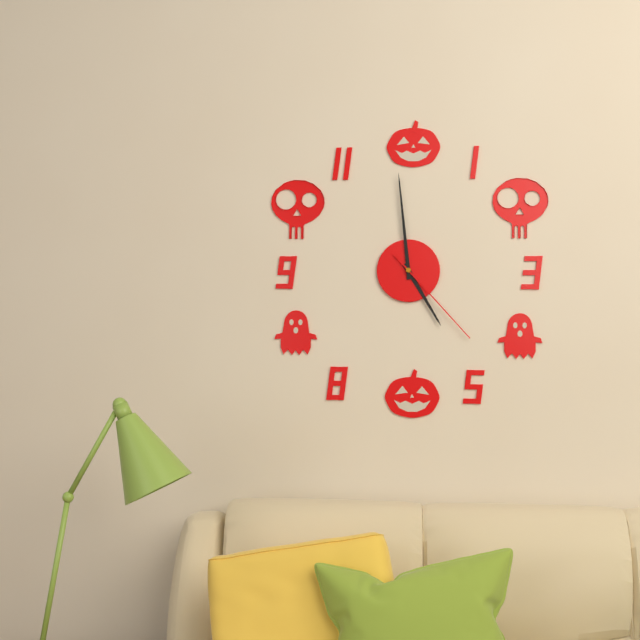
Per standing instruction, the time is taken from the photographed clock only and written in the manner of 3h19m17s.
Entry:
4h59m23s
